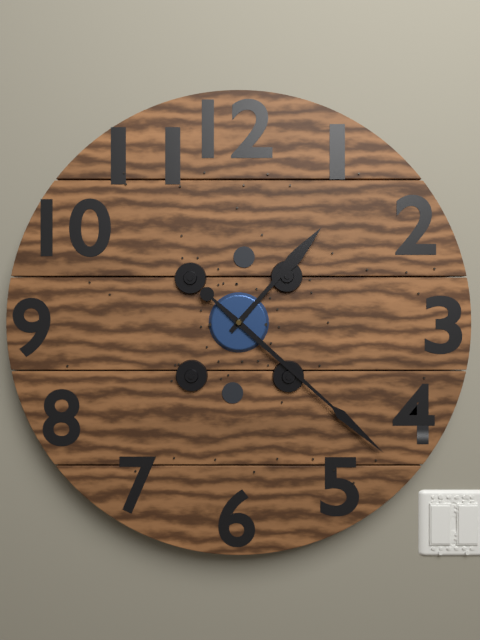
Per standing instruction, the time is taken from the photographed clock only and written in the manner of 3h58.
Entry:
1h22
